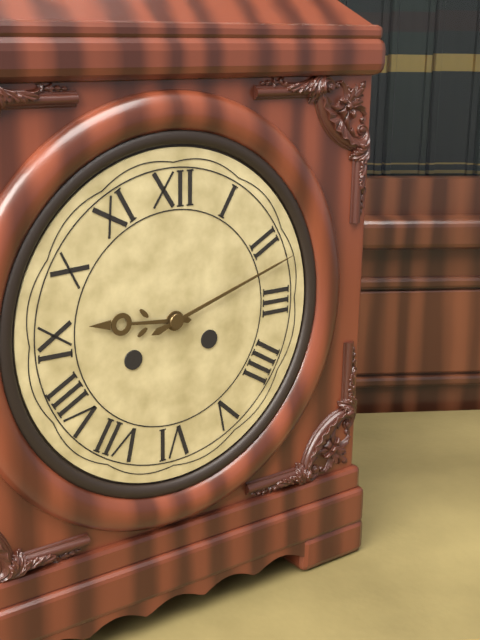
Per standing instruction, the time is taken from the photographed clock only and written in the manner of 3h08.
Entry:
9h12
